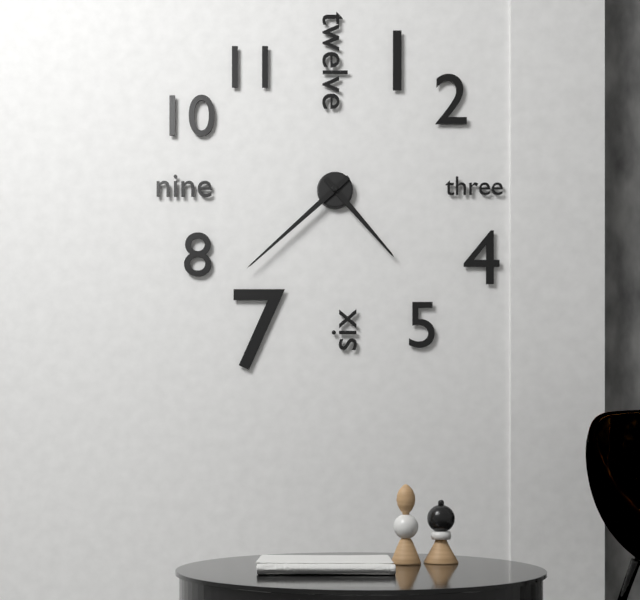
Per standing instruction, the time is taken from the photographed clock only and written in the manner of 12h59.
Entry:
4h38
